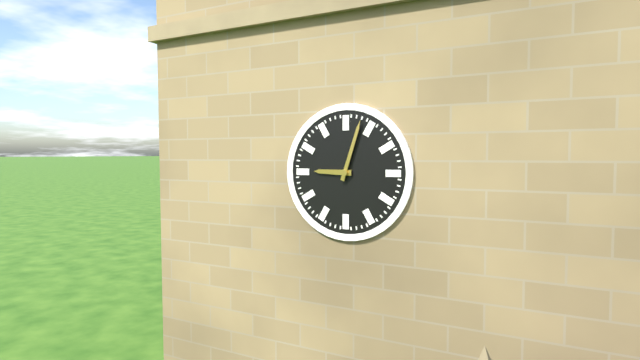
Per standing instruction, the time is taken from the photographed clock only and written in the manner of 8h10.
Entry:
9h03
